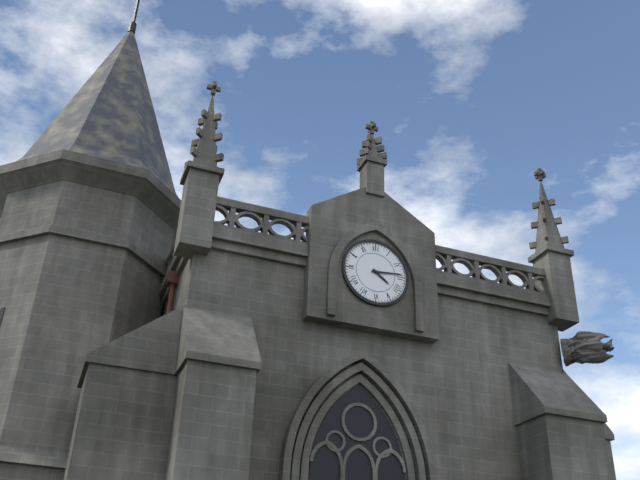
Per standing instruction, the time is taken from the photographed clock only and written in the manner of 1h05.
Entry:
4h14
